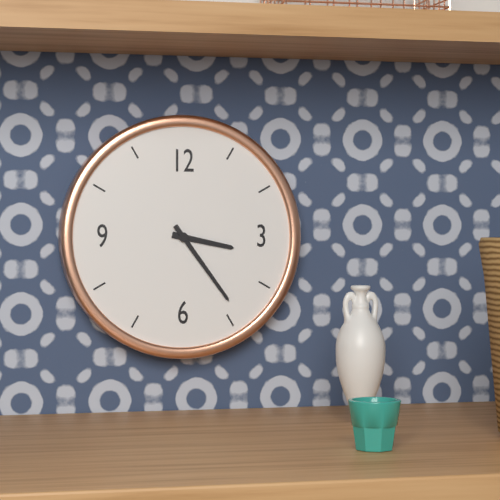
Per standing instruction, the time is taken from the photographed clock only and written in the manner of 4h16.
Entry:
3h24
